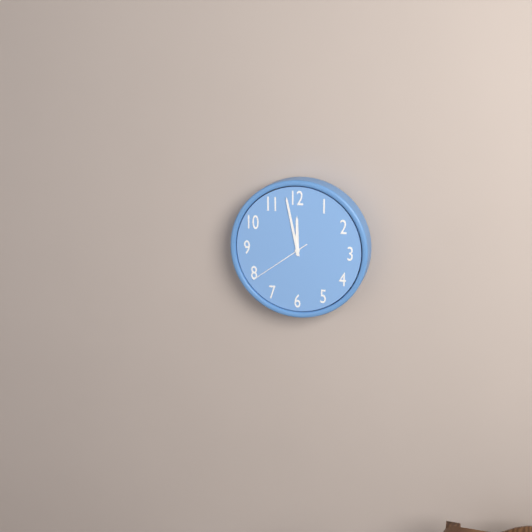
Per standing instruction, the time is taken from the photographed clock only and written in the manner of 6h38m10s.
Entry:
11h58m39s
